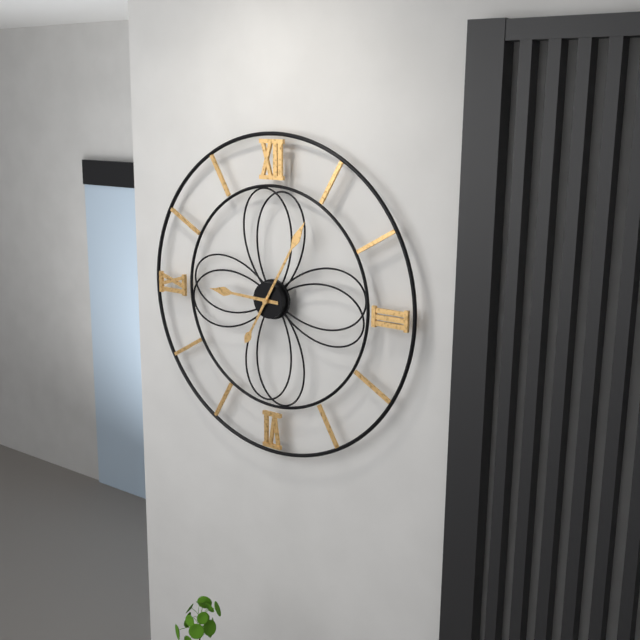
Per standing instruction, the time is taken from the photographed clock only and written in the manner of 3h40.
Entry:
9h05
